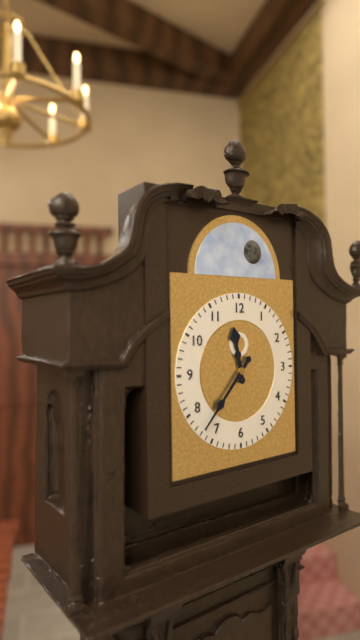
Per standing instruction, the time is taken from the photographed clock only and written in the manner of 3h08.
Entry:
11h37
